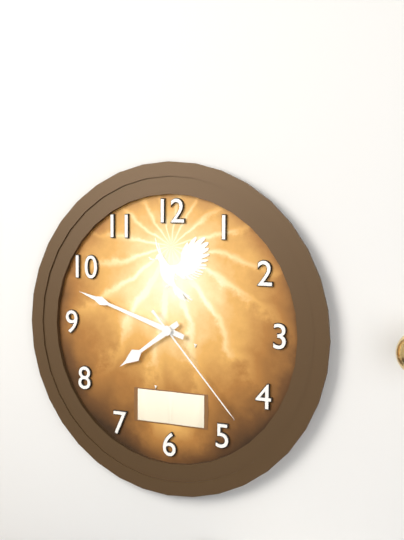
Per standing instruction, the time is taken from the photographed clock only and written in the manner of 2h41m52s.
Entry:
7h48m23s
